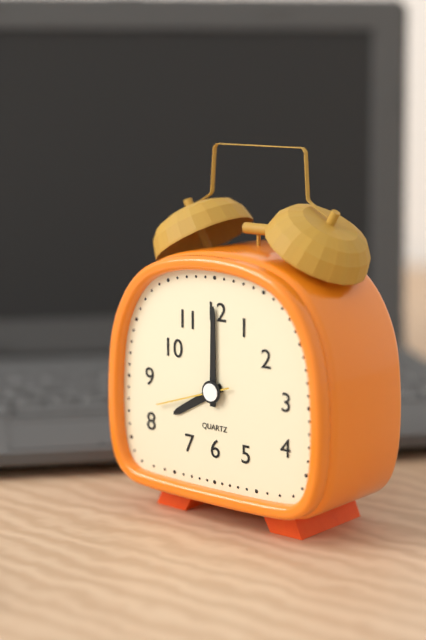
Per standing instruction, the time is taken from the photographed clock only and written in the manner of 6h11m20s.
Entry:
8h00m42s
